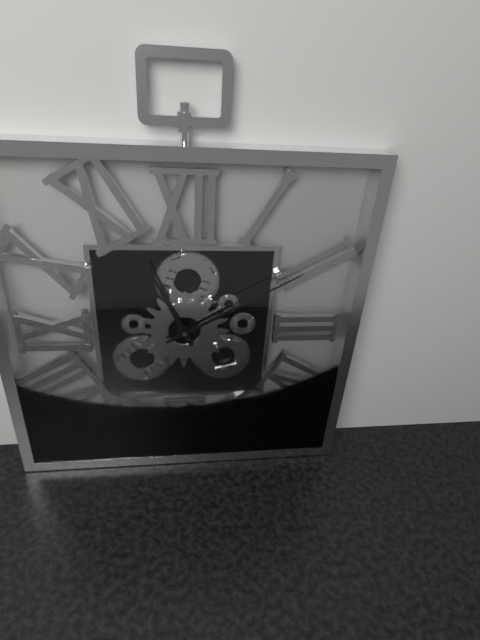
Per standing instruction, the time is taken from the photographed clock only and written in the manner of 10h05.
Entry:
11h10
